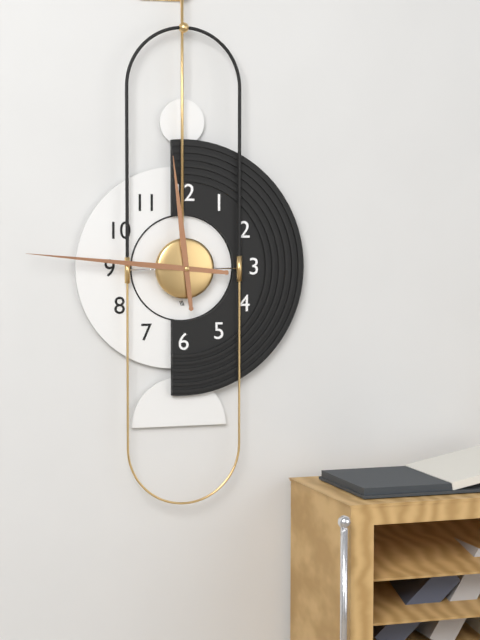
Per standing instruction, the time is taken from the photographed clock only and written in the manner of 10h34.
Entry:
11h46
